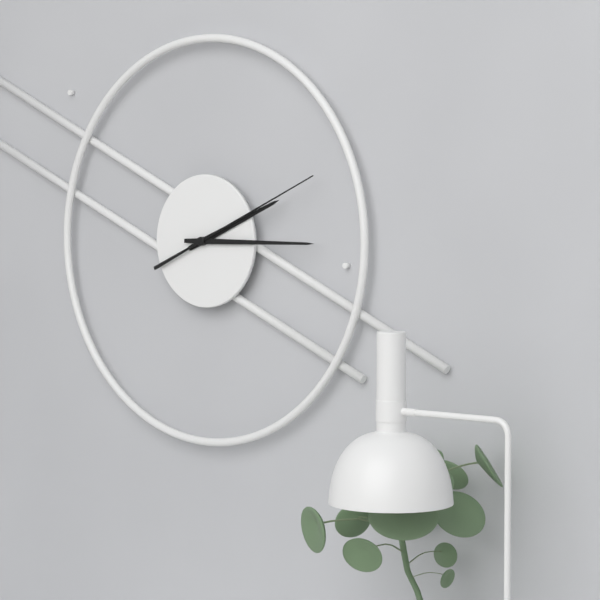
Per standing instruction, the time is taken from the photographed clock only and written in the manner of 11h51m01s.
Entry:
2h15m11s
